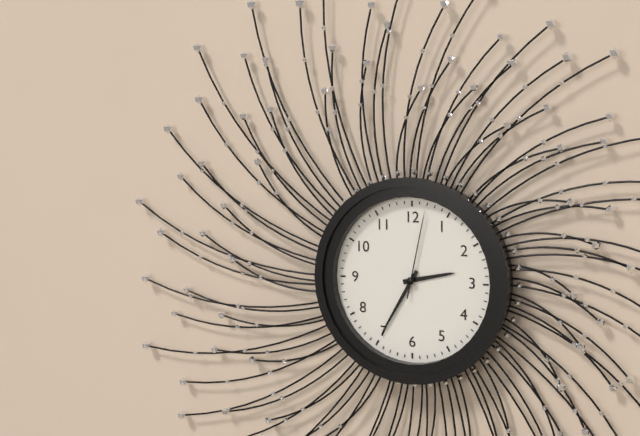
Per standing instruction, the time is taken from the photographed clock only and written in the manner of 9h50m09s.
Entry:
2h35m02s
